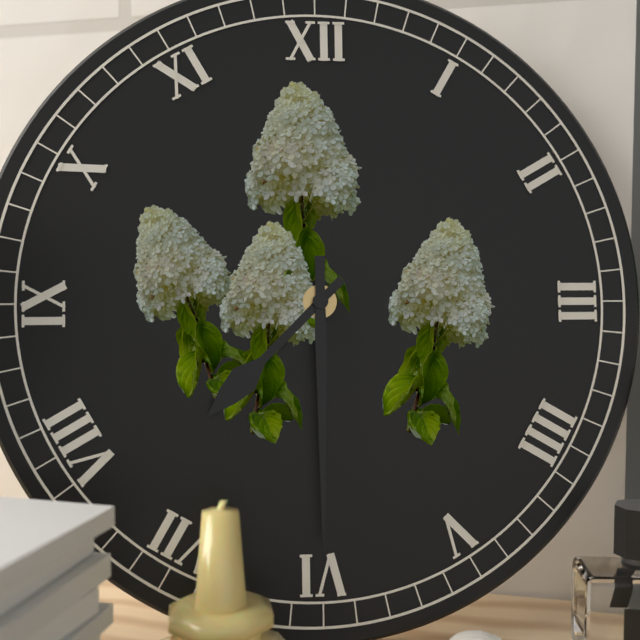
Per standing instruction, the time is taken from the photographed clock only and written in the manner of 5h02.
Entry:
7h30
